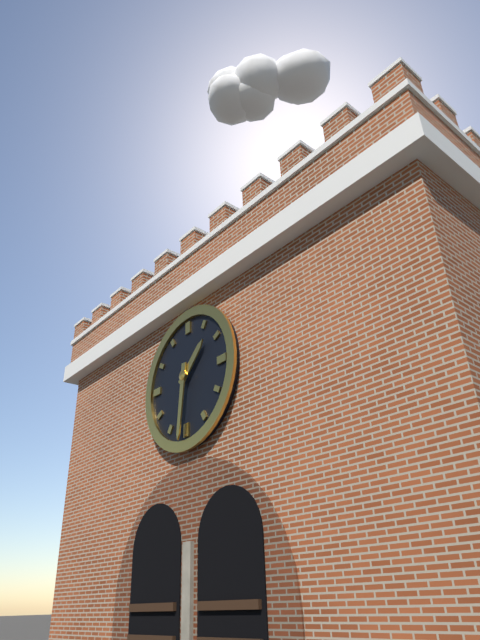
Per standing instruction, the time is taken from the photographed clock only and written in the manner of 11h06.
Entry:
1h31
